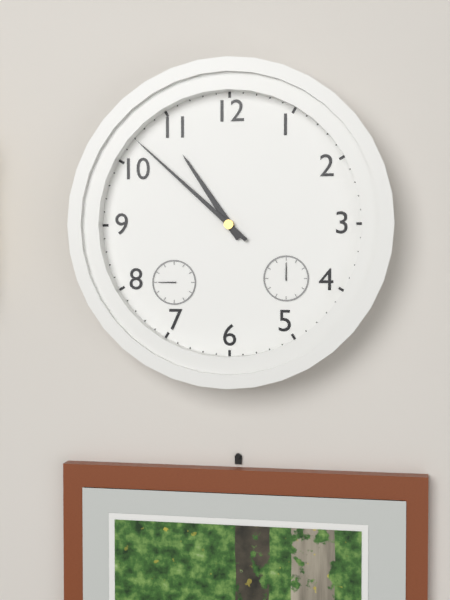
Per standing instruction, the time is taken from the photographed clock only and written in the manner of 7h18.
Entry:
10h52
